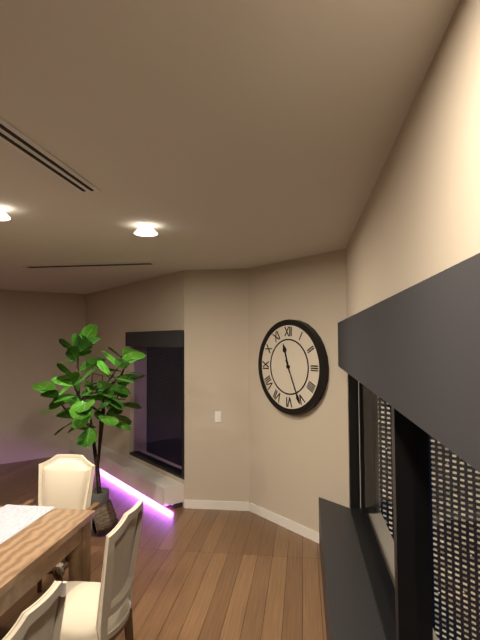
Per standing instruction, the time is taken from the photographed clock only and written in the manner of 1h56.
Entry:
11h26
